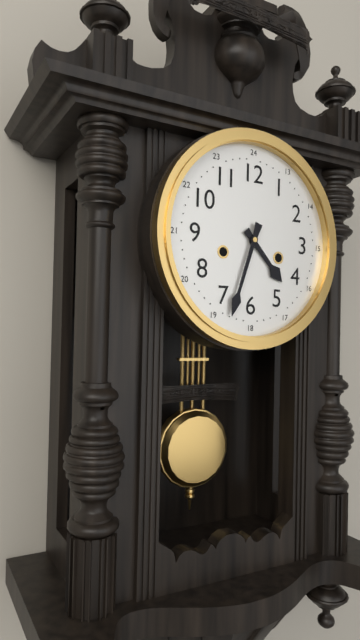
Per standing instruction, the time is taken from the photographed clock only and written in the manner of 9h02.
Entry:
4h33
